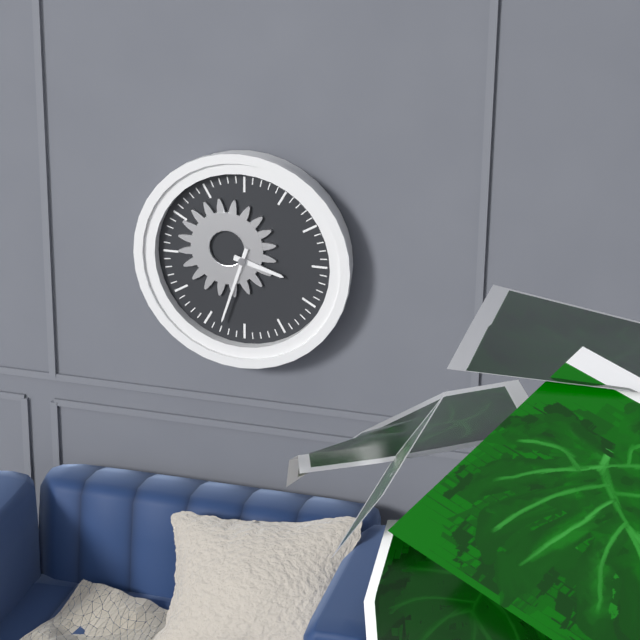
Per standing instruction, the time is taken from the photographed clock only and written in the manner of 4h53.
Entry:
3h33
